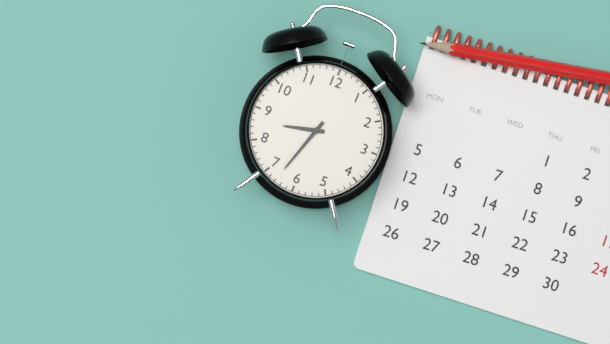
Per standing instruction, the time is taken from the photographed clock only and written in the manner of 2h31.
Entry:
8h33
